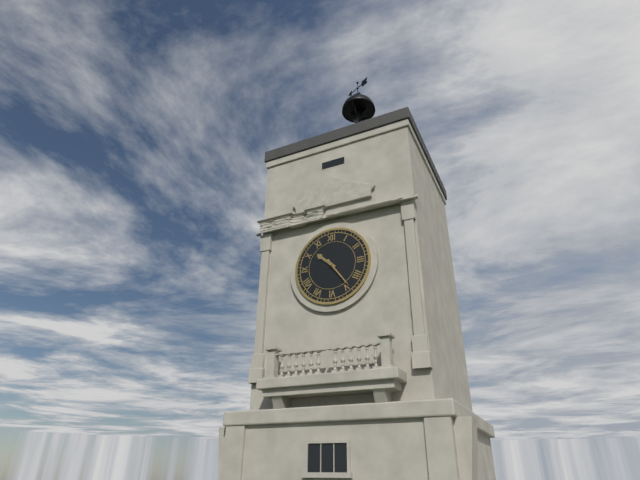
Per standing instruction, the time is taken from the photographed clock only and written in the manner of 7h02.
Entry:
10h24
